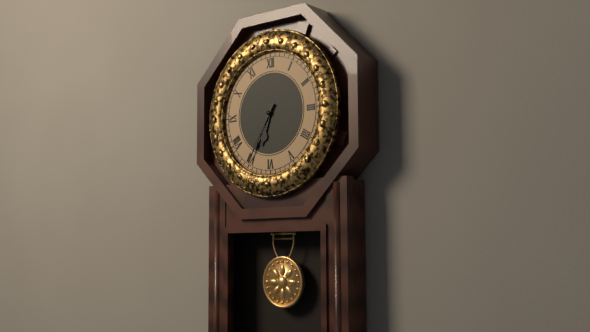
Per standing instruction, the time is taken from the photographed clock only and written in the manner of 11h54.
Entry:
6h35
